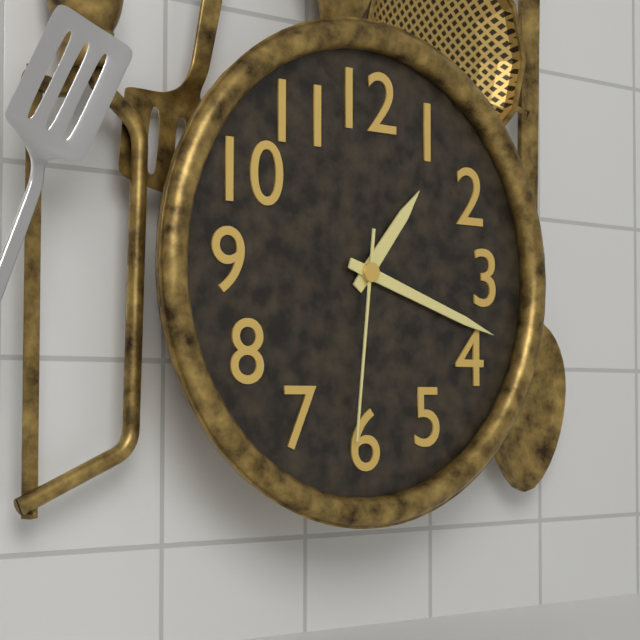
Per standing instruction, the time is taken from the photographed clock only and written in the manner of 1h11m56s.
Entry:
1h18m31s
